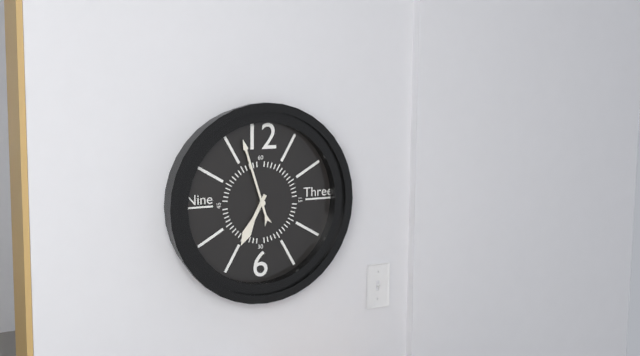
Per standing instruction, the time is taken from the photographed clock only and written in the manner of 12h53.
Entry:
6h57
